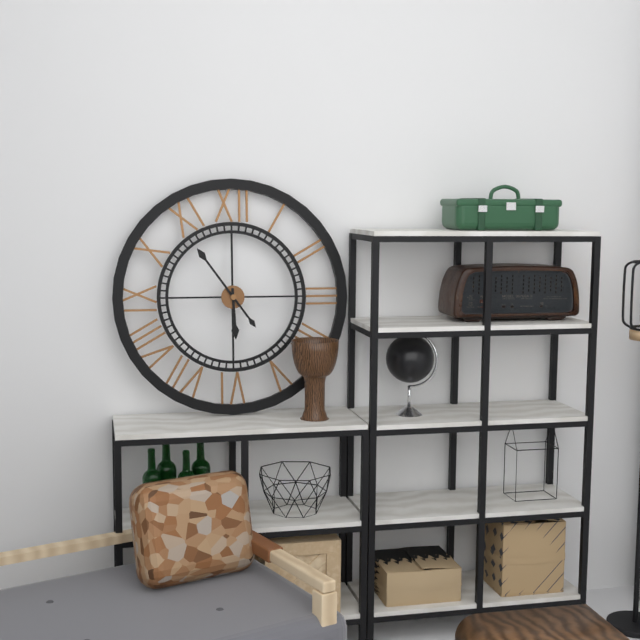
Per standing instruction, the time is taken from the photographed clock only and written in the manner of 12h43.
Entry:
5h54
